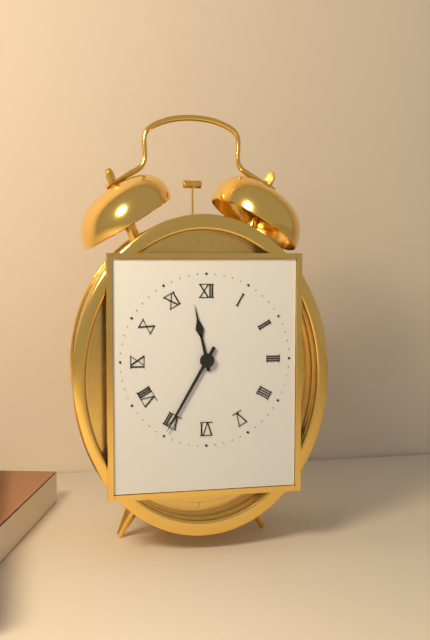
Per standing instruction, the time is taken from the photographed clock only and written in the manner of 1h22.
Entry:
11h35
